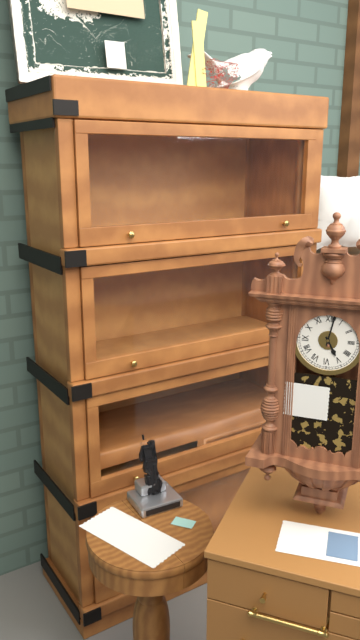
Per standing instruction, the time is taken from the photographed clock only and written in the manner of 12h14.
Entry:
5h02
